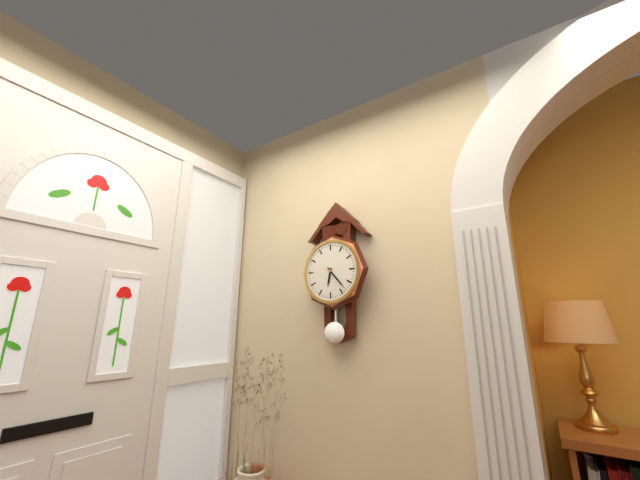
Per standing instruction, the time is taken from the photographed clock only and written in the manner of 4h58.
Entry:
6h23
